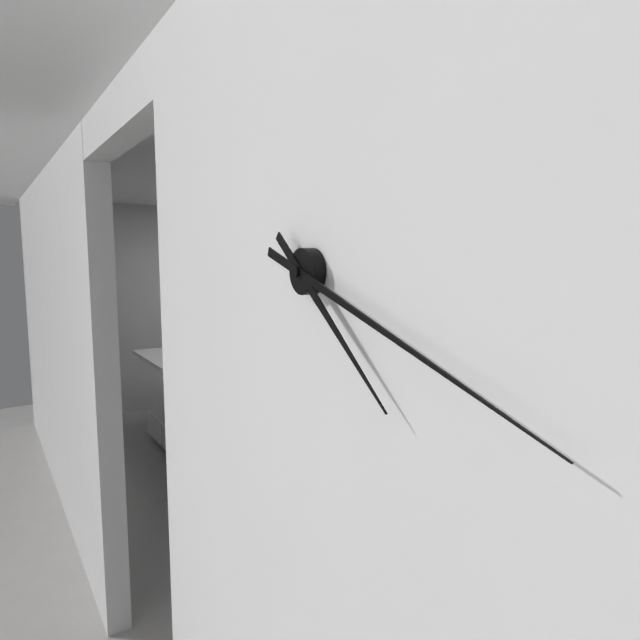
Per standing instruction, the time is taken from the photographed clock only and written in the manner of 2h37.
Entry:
4h18
